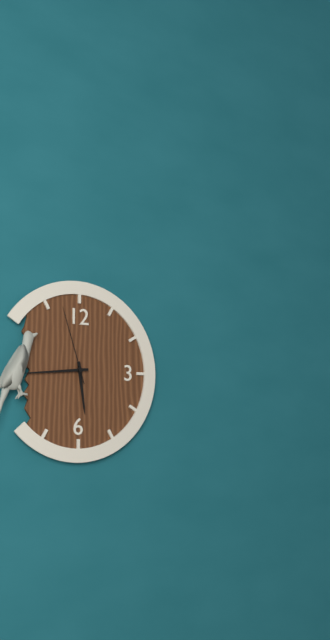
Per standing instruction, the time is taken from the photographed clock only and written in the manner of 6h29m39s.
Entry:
5h44m57s
